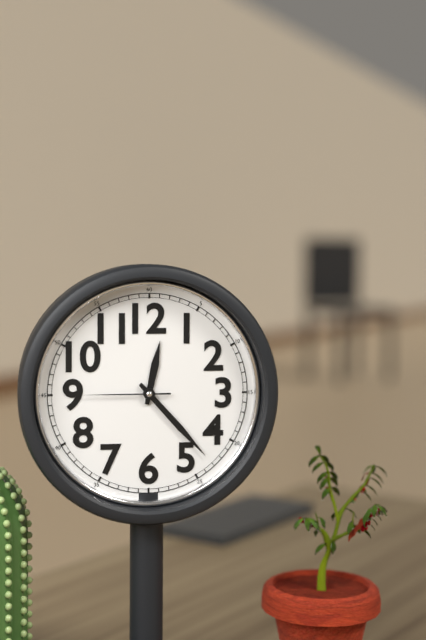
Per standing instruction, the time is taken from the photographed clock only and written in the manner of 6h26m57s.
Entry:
12h23m45s
